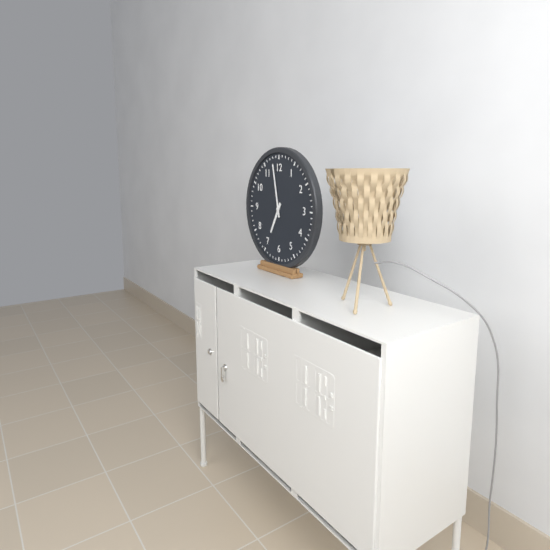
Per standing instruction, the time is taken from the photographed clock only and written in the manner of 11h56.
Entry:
6h58
